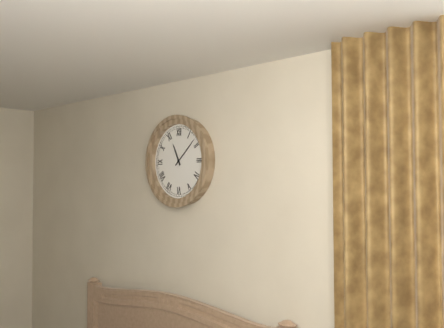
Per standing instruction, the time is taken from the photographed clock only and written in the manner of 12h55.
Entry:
11h08
